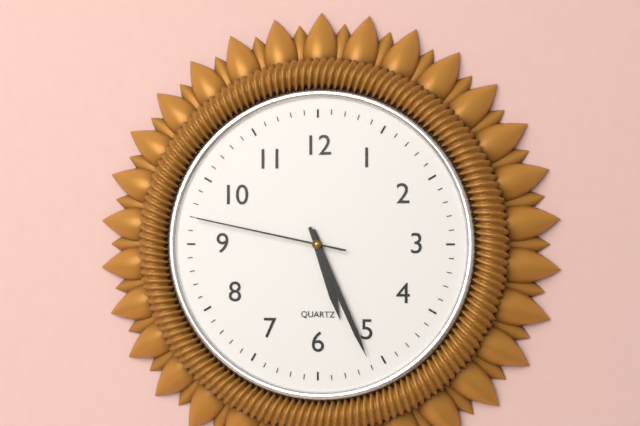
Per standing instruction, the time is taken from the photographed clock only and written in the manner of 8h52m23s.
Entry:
5h26m47s
